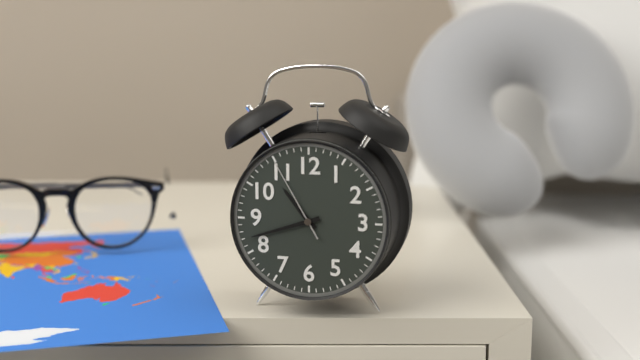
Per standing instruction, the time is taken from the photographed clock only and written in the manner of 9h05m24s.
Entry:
10h42m55s
